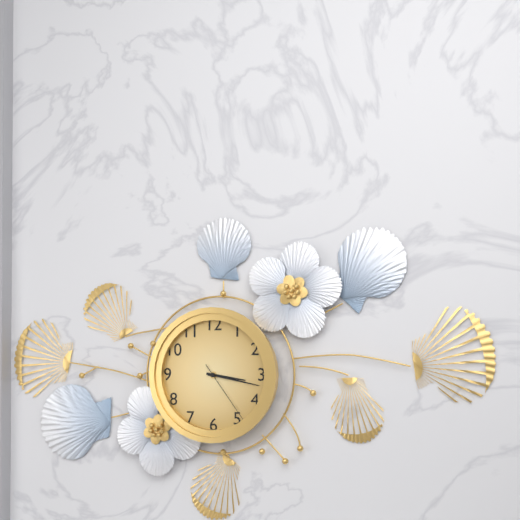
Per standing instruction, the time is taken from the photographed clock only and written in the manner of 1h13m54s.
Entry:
3h17m24s
